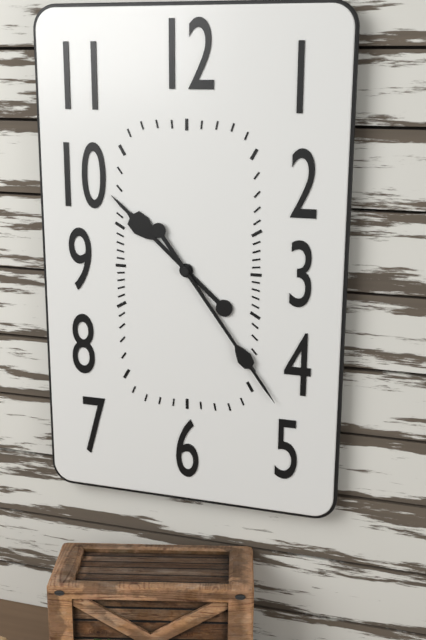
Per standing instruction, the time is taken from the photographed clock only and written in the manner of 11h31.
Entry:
10h24
